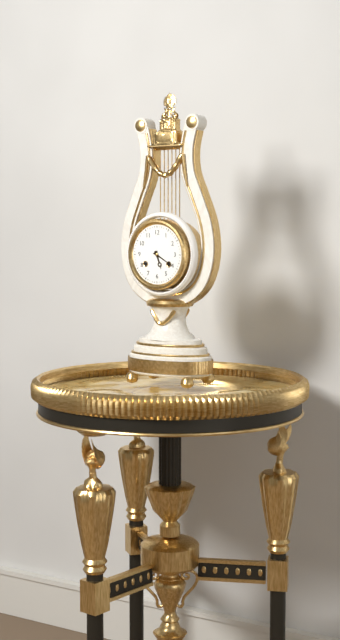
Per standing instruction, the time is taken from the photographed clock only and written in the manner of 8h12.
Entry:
5h20
